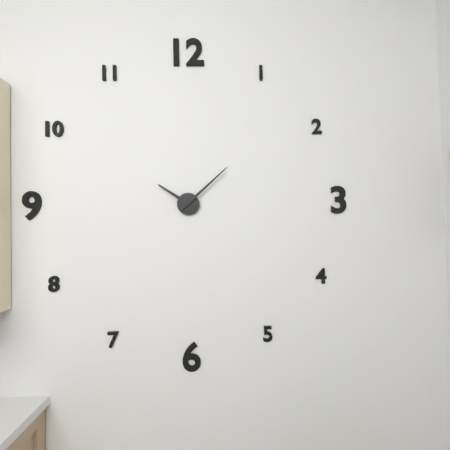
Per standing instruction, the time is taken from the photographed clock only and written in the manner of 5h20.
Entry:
10h08
